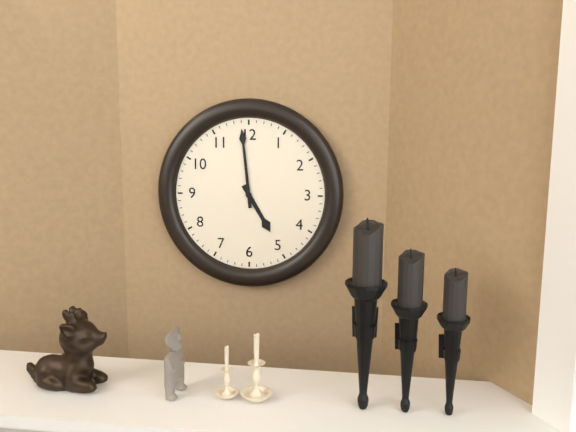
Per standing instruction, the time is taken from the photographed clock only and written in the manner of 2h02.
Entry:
4h59
